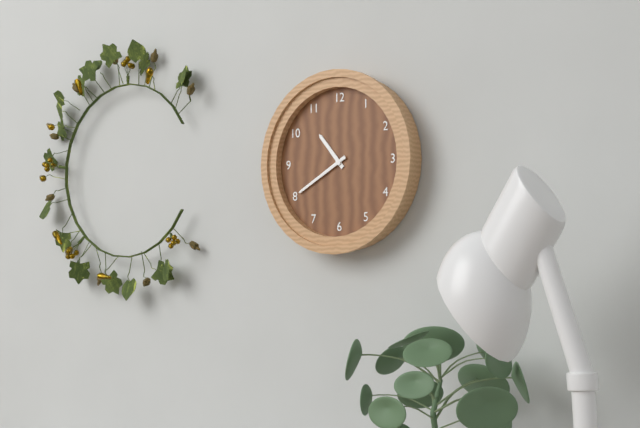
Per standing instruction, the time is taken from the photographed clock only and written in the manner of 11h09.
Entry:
10h40
